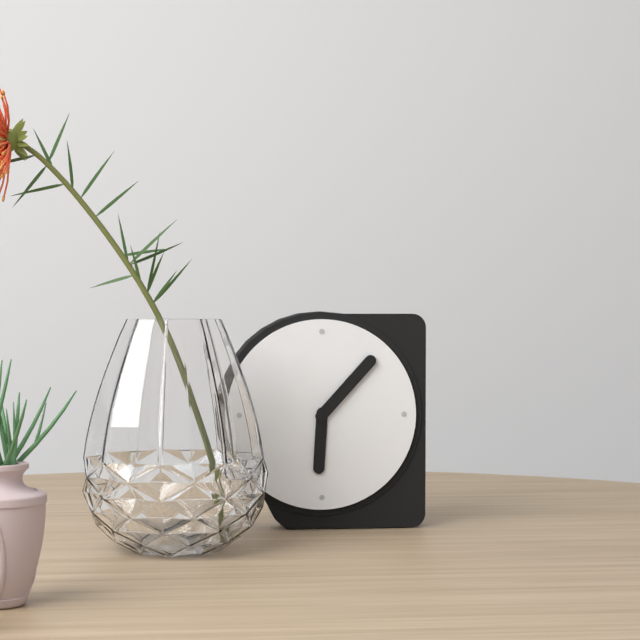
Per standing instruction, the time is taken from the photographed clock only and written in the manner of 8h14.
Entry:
6h07
